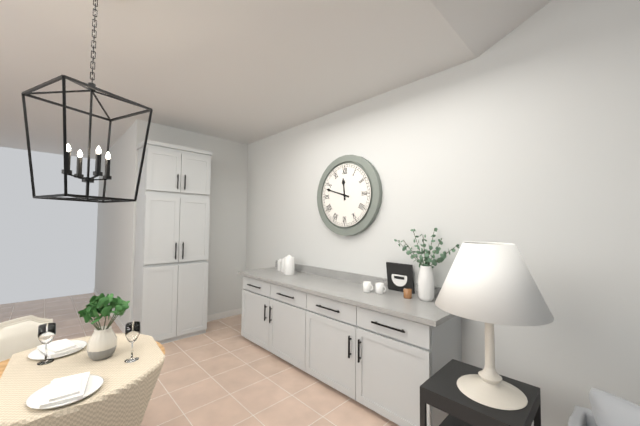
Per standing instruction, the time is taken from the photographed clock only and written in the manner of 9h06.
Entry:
11h48
